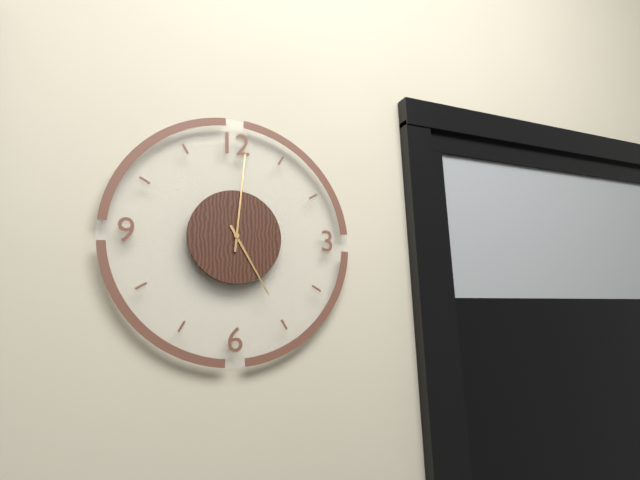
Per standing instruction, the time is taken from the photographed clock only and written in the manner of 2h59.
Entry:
5h01
